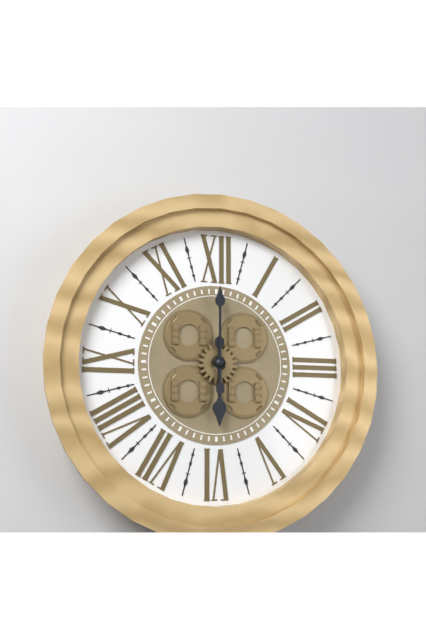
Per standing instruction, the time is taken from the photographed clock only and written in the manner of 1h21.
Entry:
6h00
